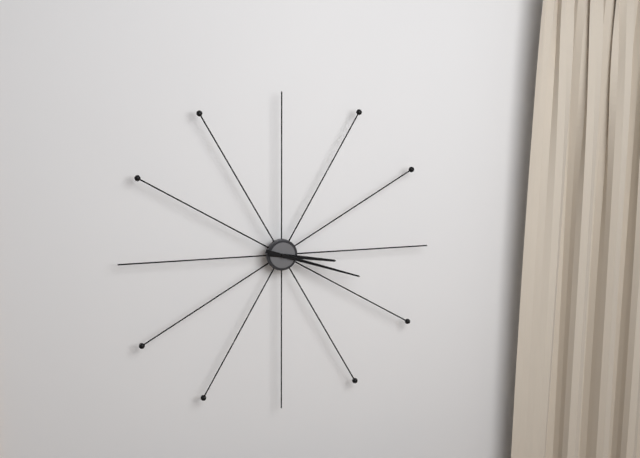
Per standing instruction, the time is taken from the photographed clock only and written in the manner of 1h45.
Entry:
3h18
